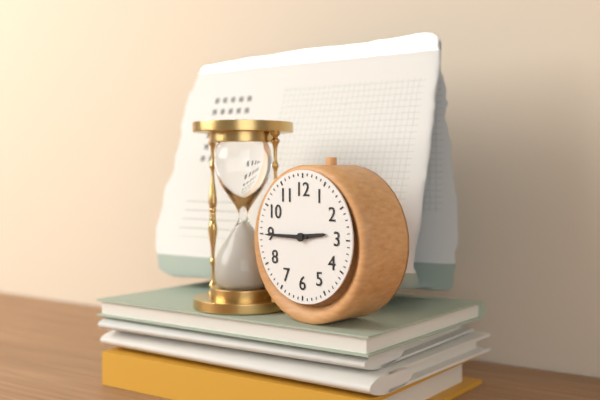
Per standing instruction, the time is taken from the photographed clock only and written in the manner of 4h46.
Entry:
2h45
